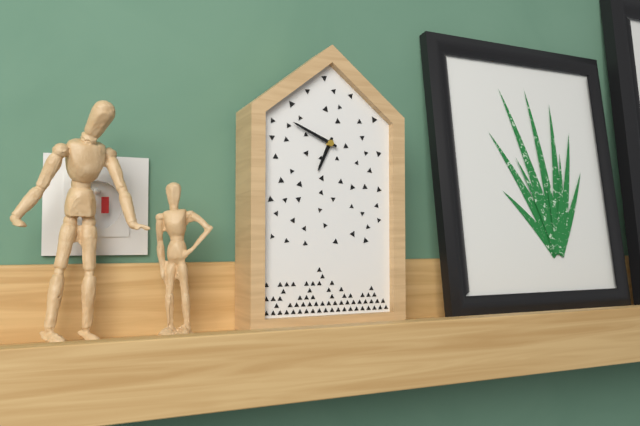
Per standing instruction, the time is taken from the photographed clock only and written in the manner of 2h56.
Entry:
6h49
